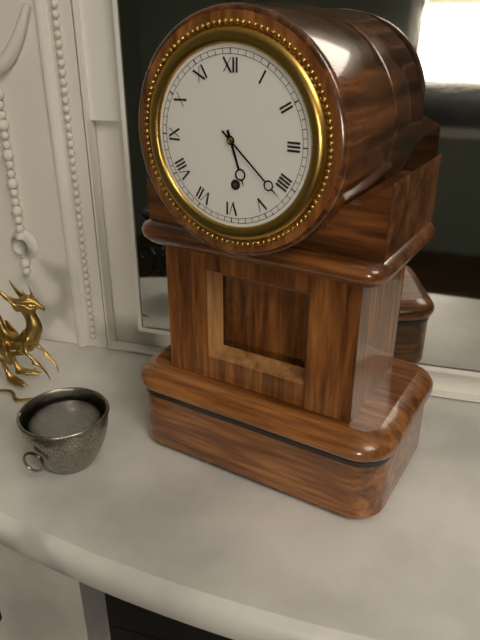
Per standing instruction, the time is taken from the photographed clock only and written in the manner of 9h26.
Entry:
5h22
